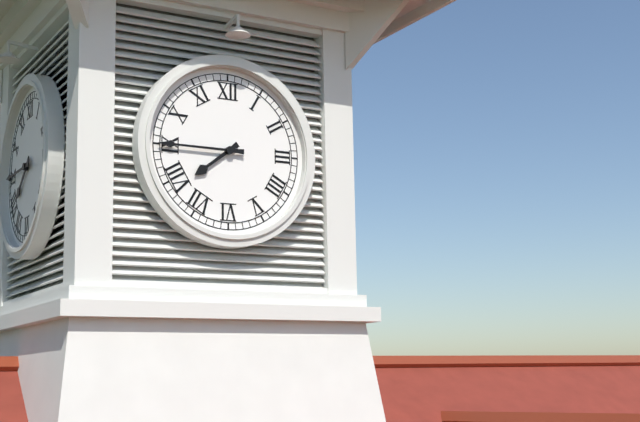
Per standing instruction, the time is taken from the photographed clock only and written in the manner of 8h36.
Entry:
7h45
